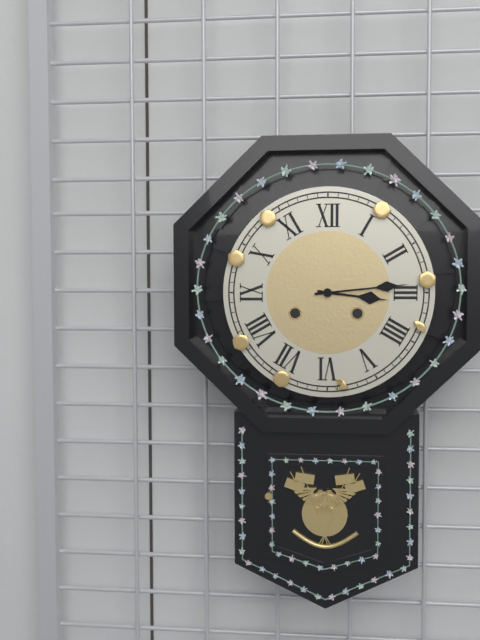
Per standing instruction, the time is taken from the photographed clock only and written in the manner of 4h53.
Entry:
3h14
